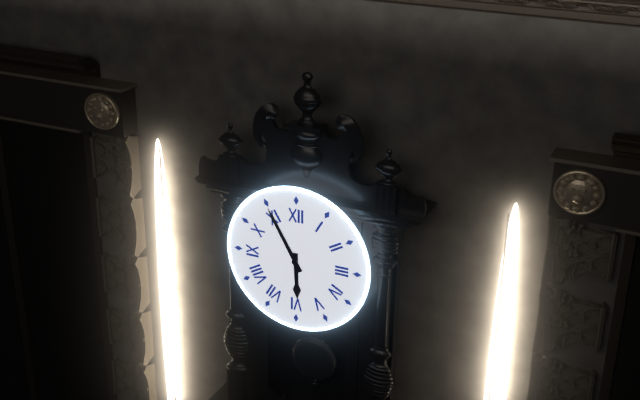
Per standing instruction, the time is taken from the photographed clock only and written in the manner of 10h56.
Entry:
5h55
